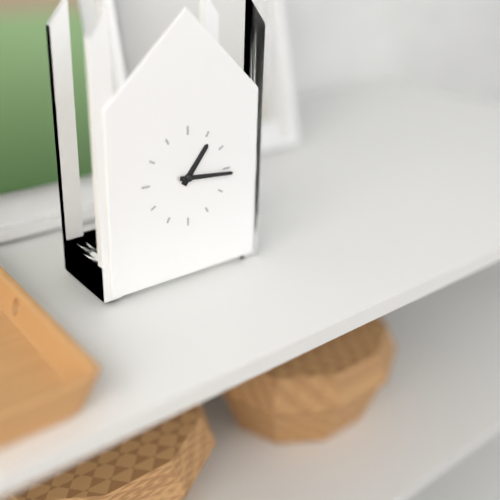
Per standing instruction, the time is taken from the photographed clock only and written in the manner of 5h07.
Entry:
1h16
